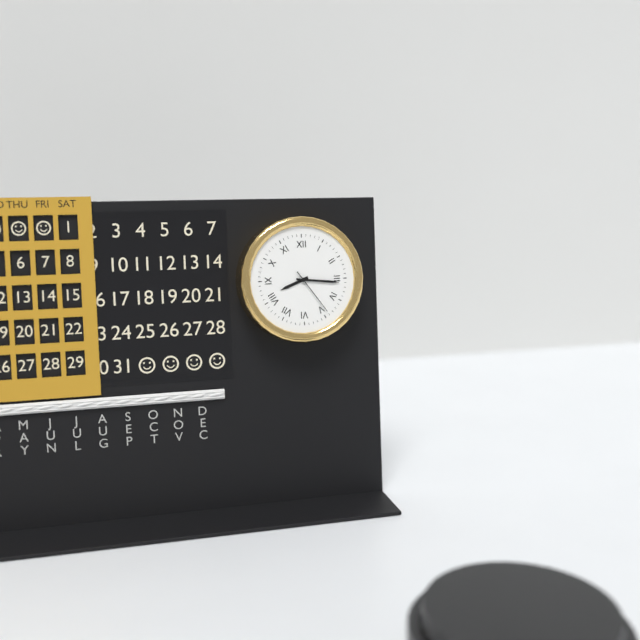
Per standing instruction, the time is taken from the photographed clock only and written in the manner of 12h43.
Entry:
8h16
